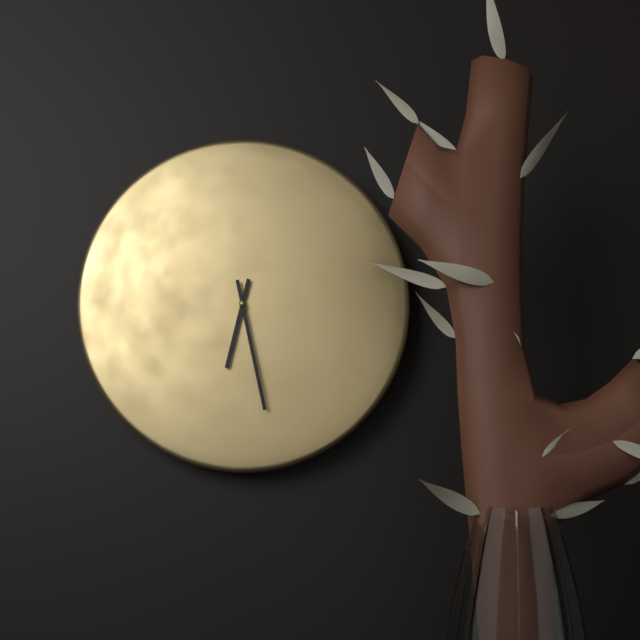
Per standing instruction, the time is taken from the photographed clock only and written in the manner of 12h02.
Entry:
6h28
